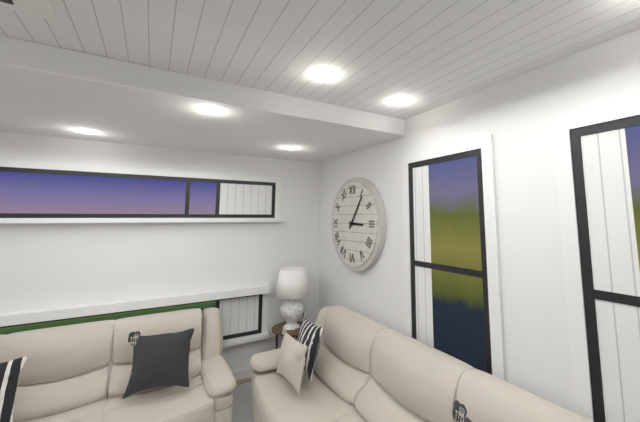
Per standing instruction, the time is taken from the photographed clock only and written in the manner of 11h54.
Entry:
3h06
